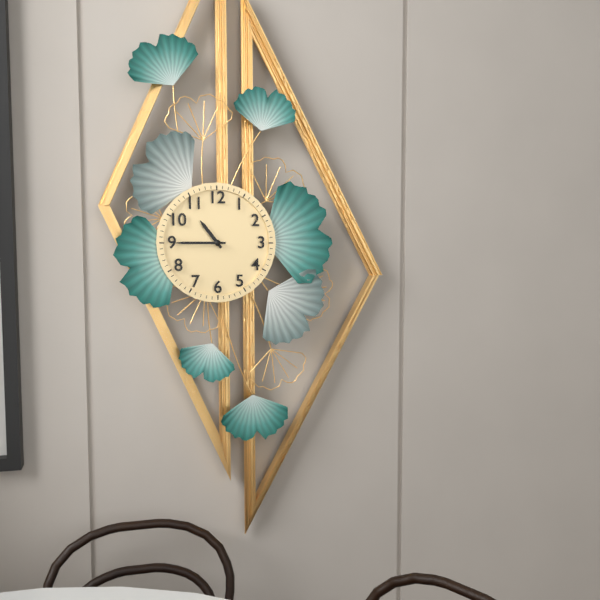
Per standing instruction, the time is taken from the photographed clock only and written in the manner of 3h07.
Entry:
10h45
